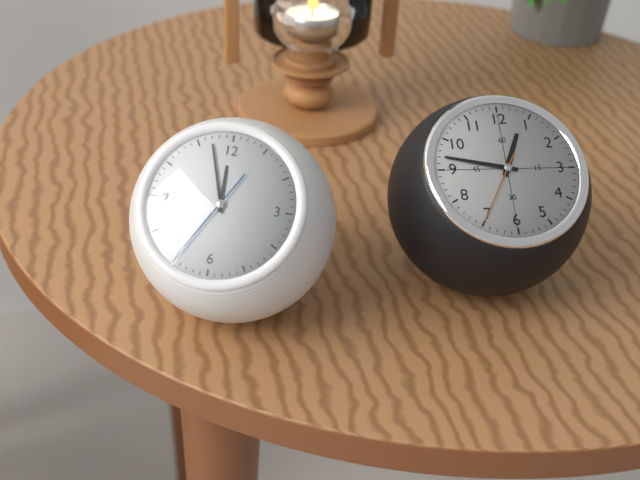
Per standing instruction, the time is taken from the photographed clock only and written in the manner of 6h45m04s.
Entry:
11h57m35s
